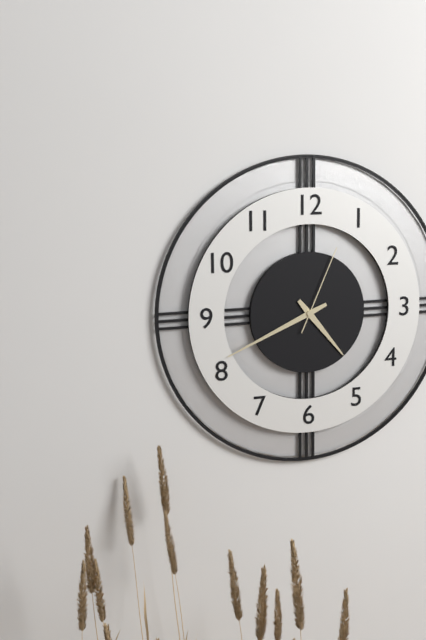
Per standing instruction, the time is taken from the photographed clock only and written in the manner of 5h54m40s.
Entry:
4h41m04s
